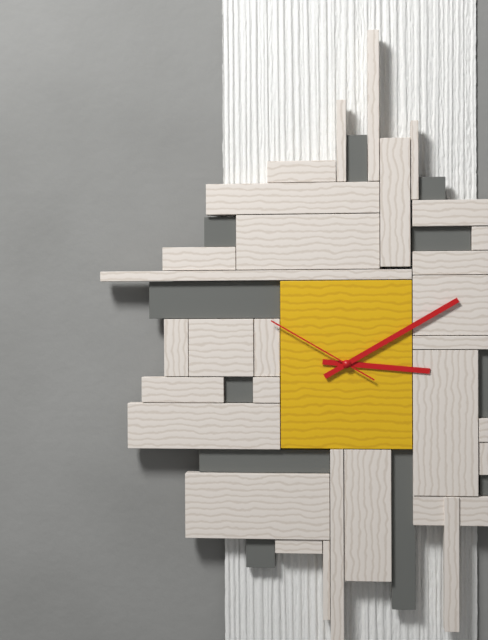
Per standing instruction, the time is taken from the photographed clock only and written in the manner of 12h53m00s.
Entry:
3h10m50s
